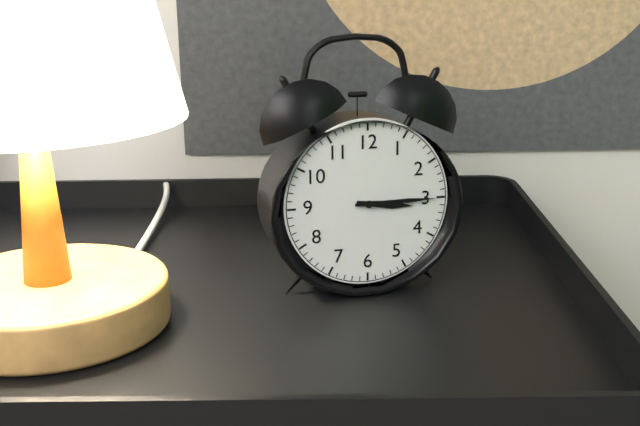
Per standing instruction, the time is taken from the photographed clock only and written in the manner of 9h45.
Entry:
3h15
